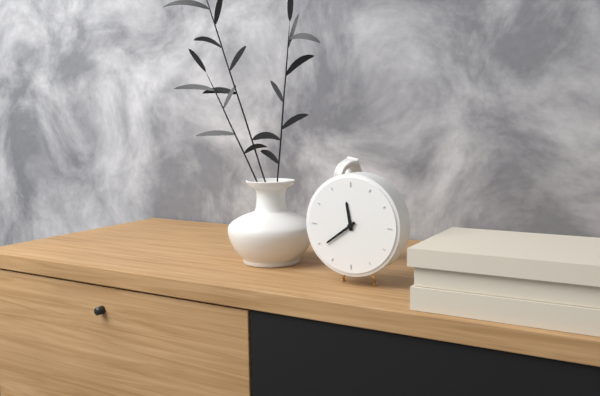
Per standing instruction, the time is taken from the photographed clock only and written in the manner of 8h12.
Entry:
11h39
